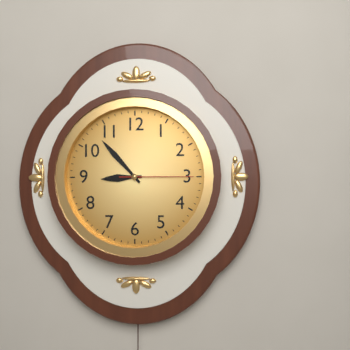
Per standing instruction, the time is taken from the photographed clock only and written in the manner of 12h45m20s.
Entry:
8h53m15s
